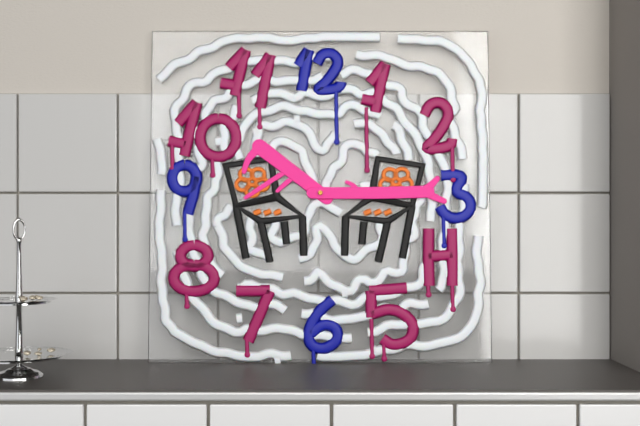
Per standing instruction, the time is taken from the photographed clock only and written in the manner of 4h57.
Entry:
10h15
